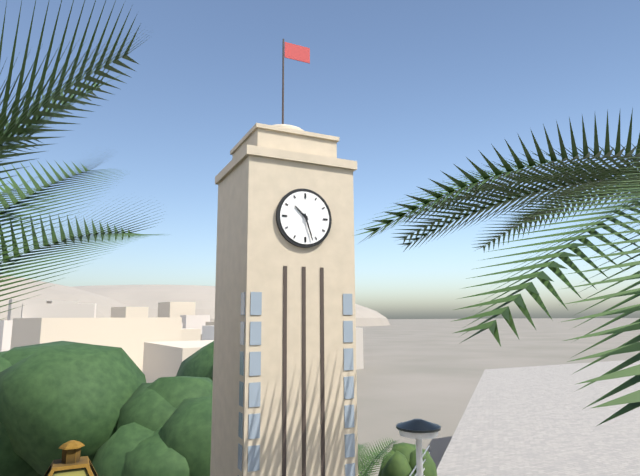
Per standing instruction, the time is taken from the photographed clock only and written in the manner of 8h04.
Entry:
10h27
